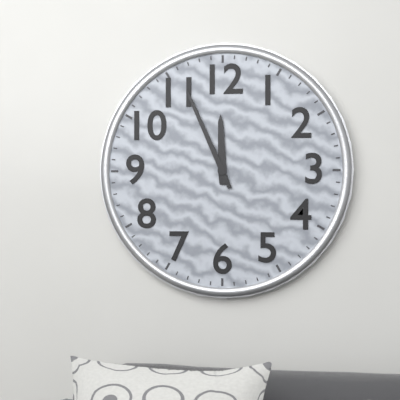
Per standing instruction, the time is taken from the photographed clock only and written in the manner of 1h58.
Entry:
11h56
